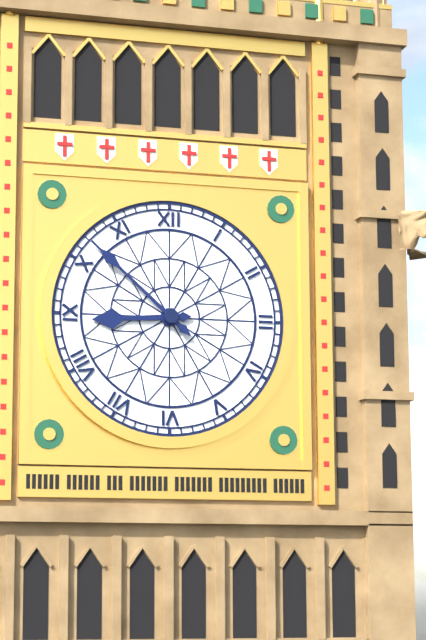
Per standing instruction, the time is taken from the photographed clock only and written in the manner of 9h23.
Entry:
8h52
